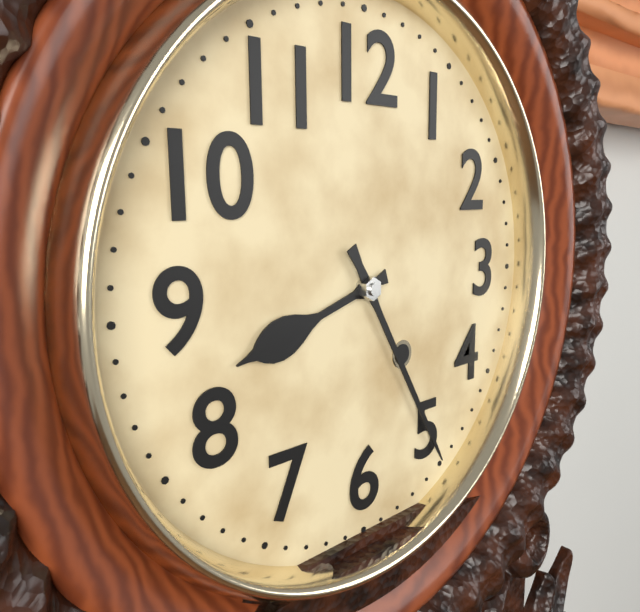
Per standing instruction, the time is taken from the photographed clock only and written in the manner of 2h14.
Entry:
8h25
